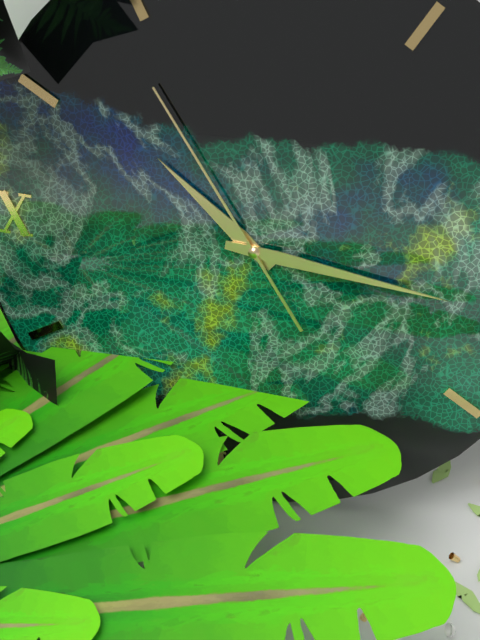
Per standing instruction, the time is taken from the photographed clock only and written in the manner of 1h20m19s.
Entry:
10h16m54s
